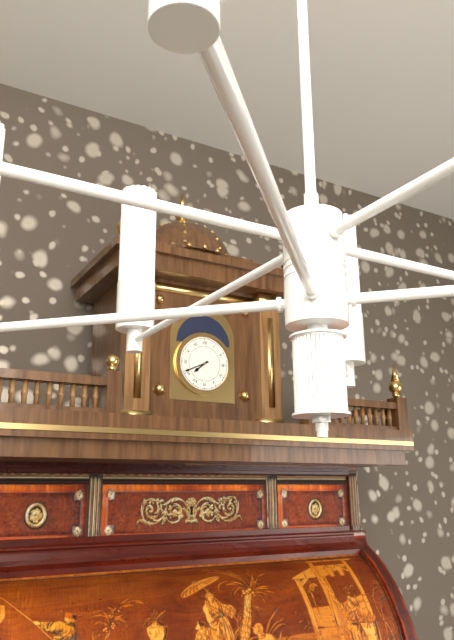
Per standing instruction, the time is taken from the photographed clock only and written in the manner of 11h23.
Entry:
7h41
